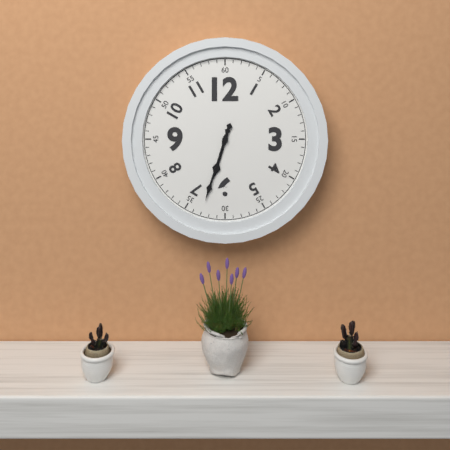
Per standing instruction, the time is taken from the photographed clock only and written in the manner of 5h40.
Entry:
6h33
